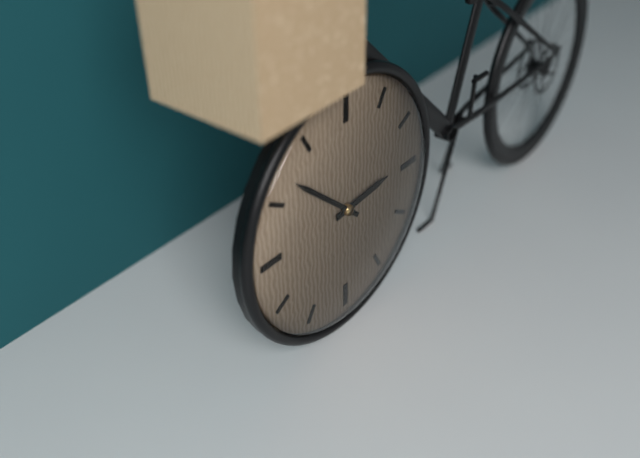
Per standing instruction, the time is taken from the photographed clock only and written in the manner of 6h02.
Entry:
2h52
